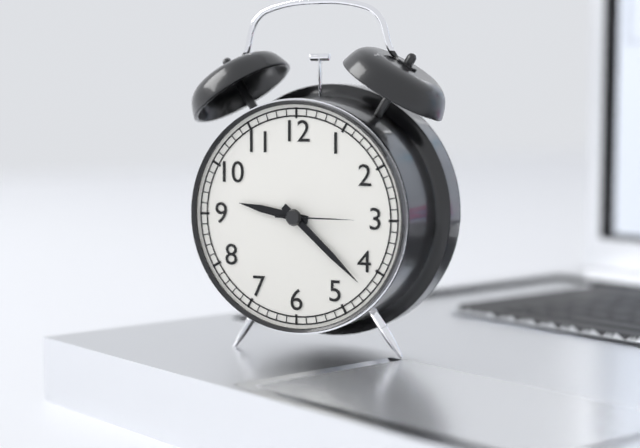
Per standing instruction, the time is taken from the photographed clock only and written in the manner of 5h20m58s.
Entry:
9h22m15s
